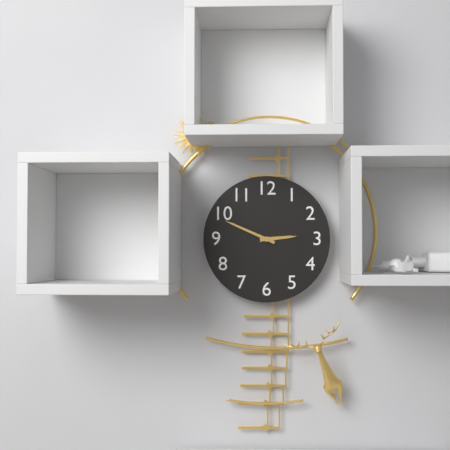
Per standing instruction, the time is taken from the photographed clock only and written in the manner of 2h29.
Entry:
2h49
